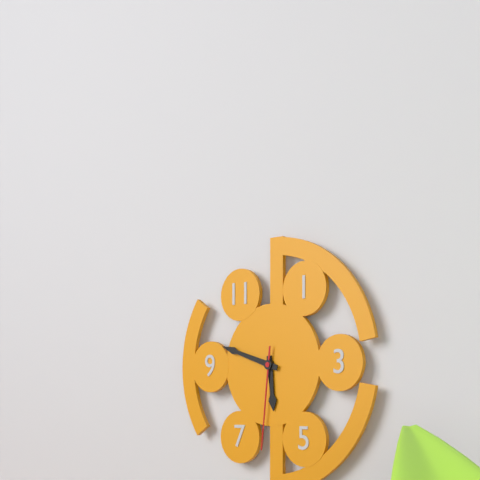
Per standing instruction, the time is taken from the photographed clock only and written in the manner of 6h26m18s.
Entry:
5h48m31s
